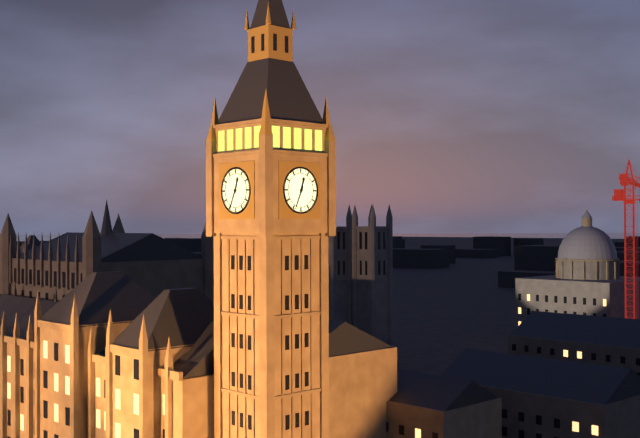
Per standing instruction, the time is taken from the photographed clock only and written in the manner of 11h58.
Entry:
12h34
